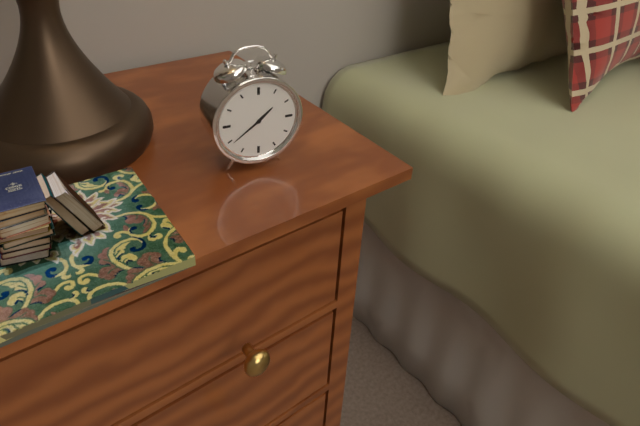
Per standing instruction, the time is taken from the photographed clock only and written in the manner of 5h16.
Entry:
1h39
